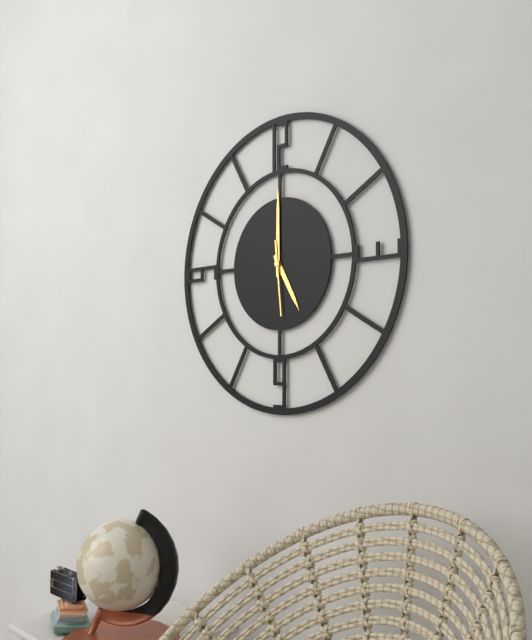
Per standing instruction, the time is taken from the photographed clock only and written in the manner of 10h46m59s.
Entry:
5h00m29s
